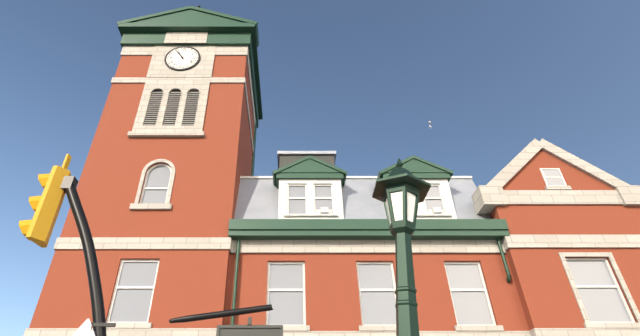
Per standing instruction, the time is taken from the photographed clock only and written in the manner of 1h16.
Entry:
10h54
